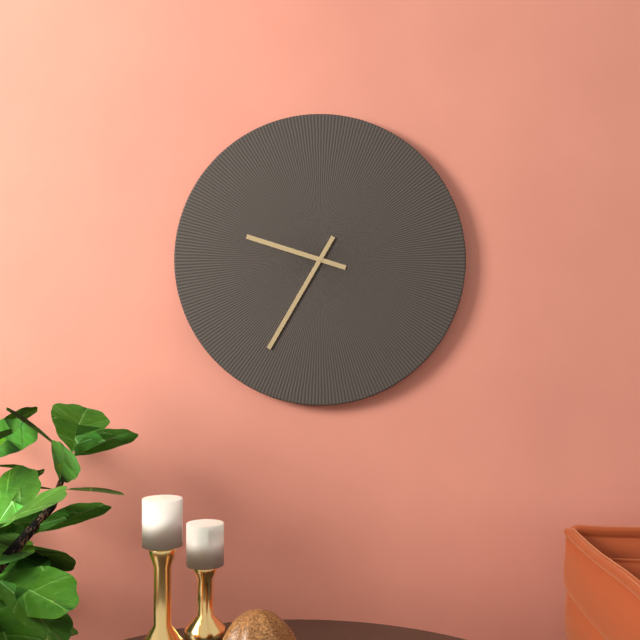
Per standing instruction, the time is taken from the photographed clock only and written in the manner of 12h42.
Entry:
9h35
